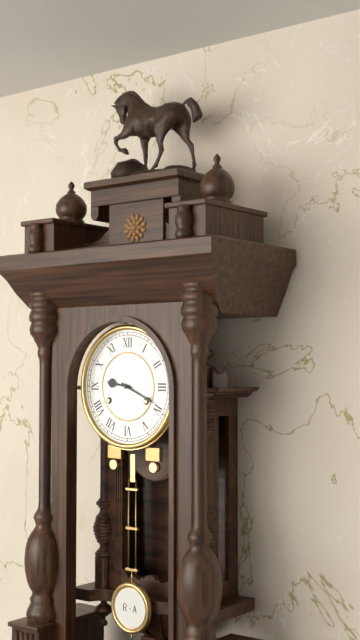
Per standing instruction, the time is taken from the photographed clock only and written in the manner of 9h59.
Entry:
9h19
